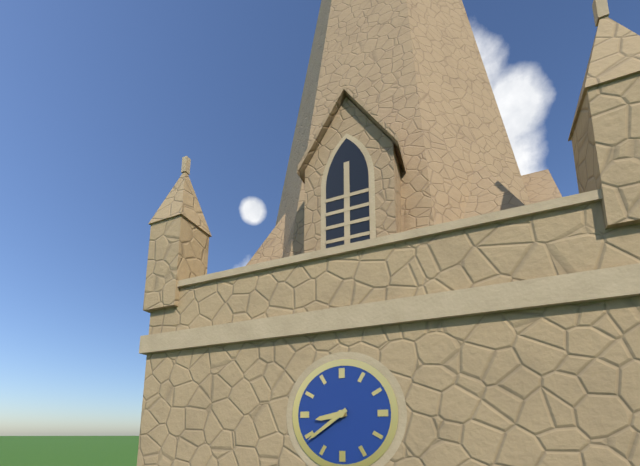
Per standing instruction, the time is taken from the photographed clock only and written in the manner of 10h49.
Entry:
8h39
